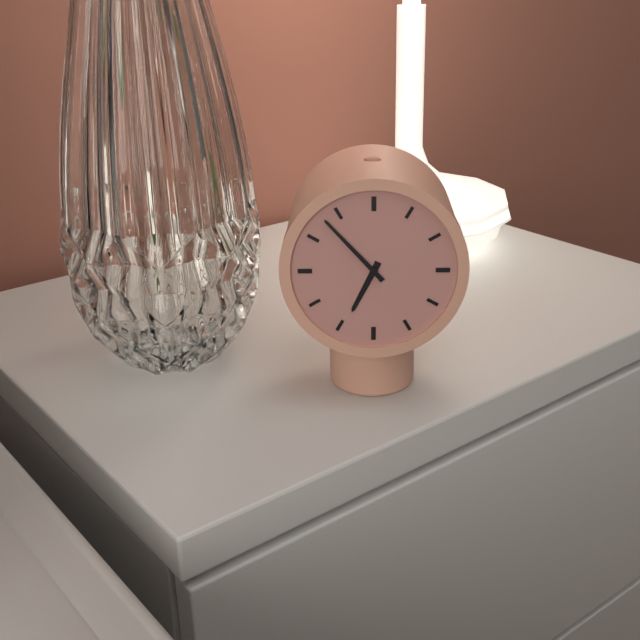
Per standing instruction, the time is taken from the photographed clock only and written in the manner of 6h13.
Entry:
6h53
